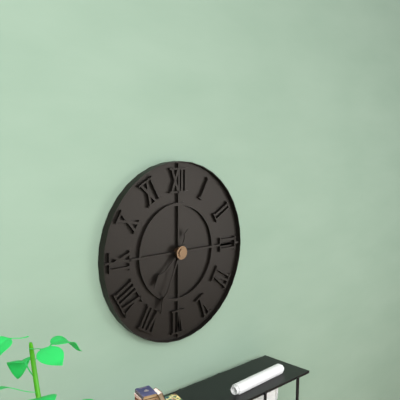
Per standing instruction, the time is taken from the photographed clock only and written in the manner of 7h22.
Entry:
7h34
